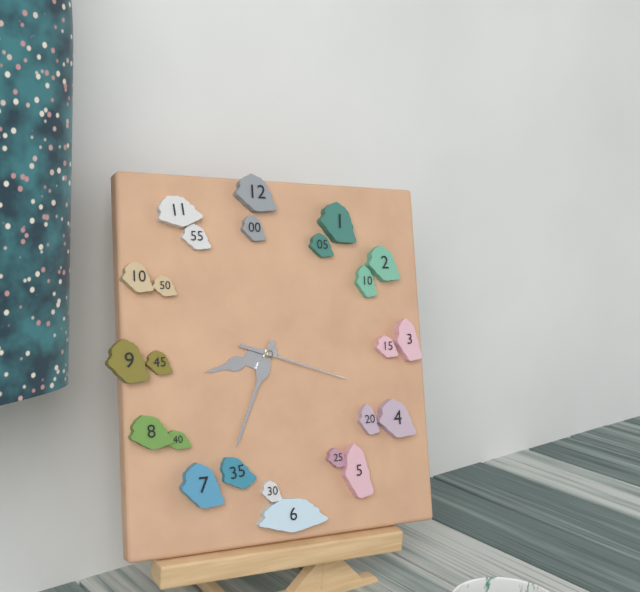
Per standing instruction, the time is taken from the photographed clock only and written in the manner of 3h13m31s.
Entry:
8h34m18s
